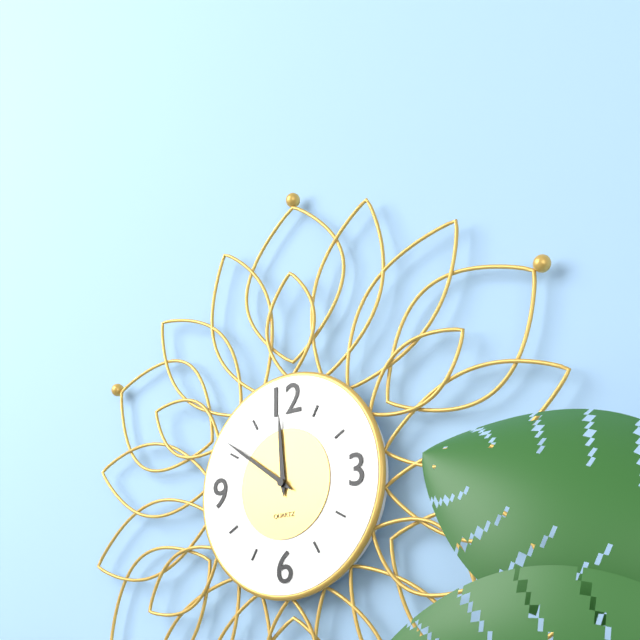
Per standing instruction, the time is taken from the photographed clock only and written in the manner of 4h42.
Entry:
11h51
